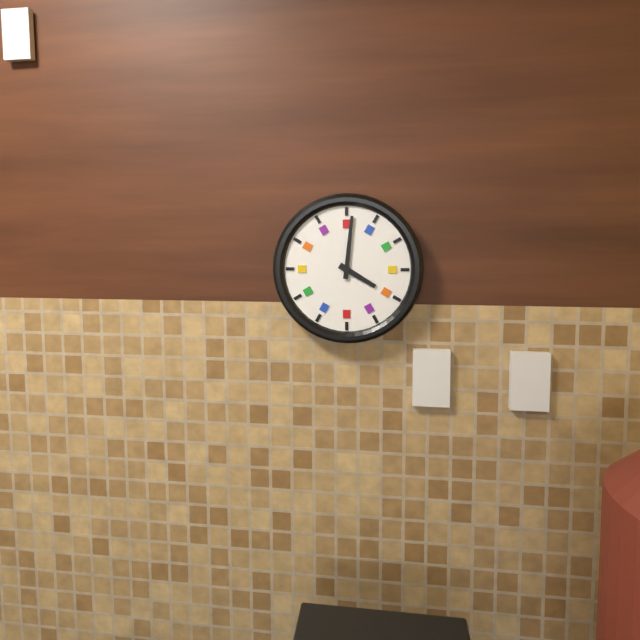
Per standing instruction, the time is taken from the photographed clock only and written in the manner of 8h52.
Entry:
4h01
